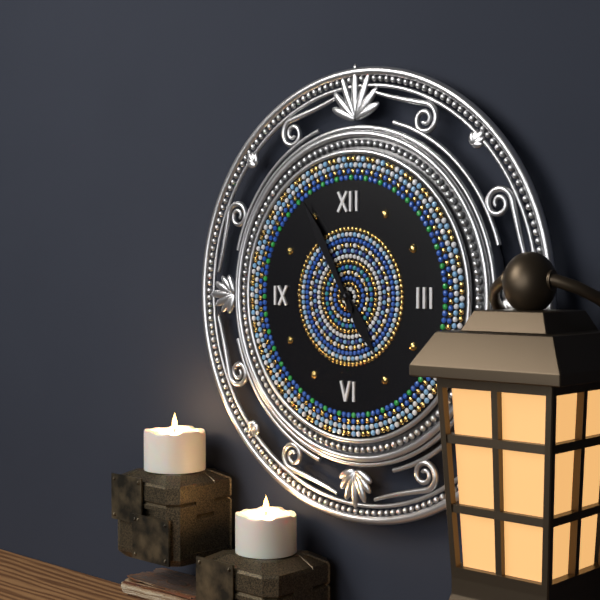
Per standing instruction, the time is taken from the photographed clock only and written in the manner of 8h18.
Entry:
4h55
